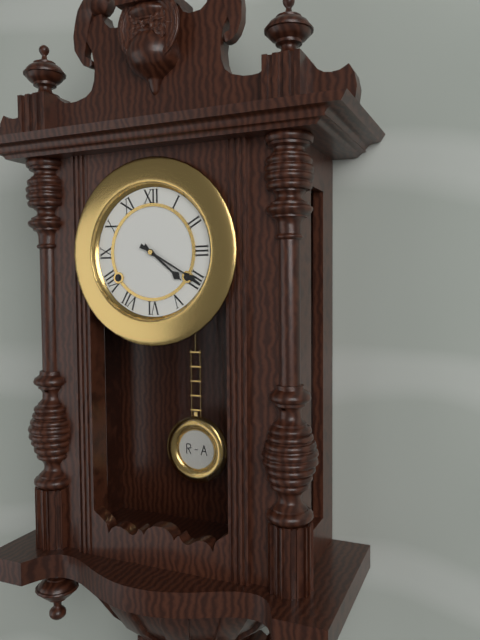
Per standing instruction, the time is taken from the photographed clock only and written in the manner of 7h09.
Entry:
4h20
